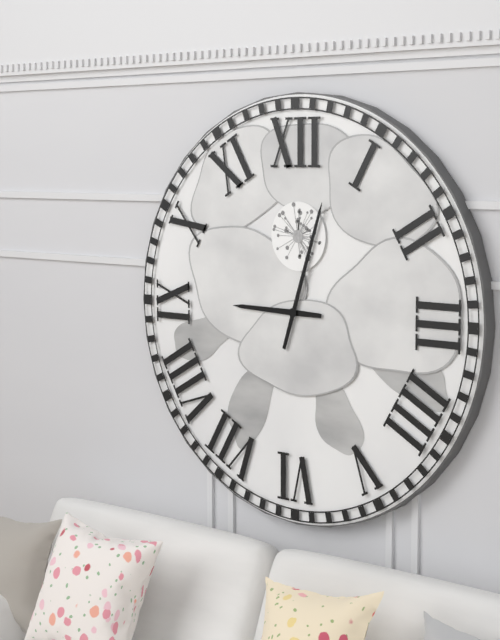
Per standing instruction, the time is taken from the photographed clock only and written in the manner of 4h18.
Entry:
9h03
